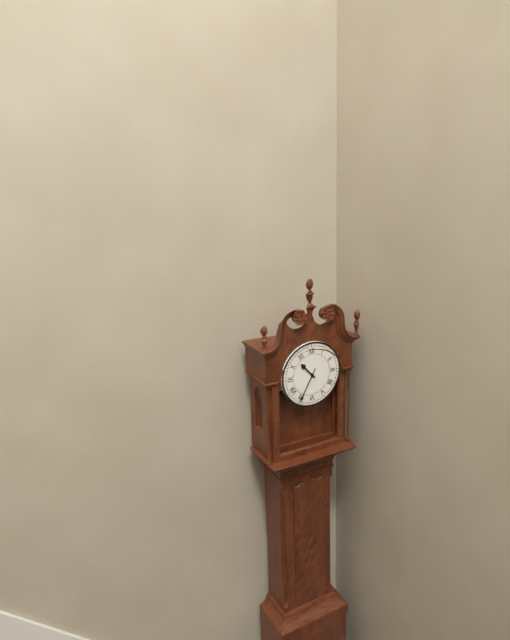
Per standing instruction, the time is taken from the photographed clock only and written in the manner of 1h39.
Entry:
10h35
